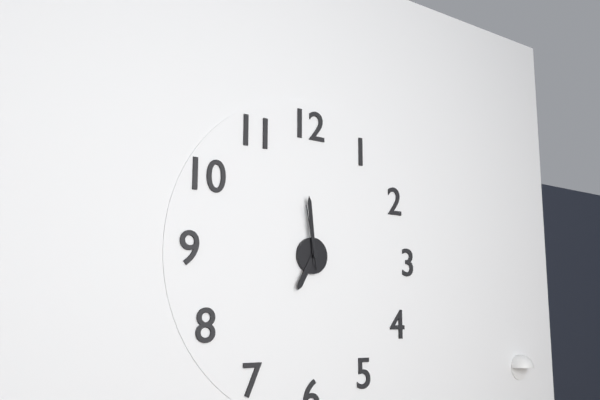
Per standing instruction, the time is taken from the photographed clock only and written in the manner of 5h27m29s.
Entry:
6h59m58s
